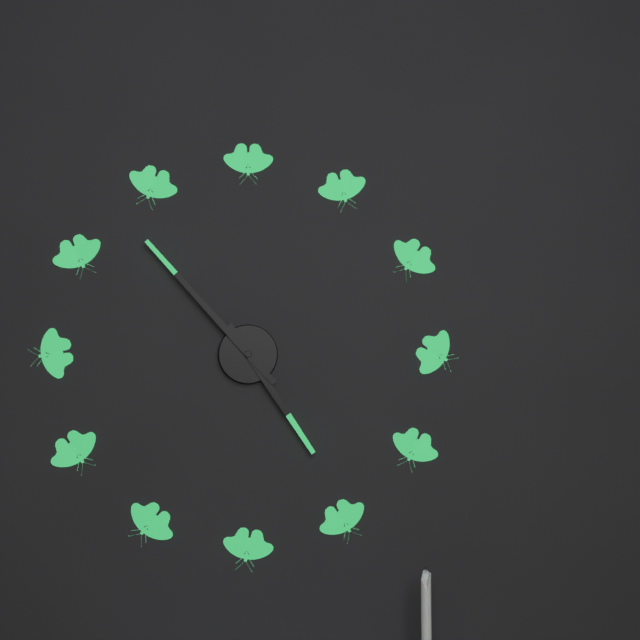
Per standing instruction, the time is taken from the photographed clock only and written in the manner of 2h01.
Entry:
4h53
